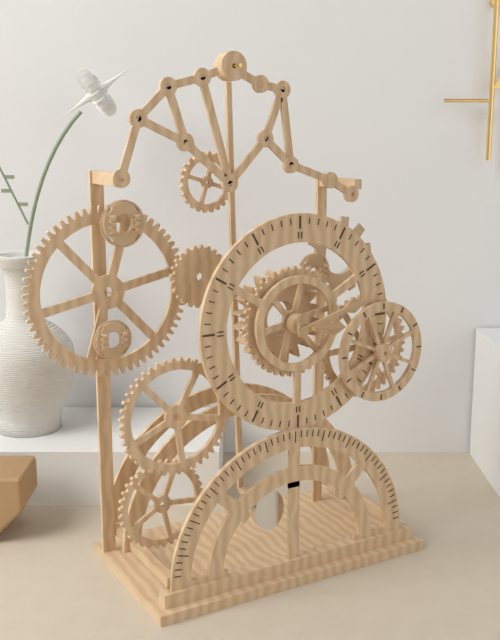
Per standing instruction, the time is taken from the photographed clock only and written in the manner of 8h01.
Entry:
3h12
